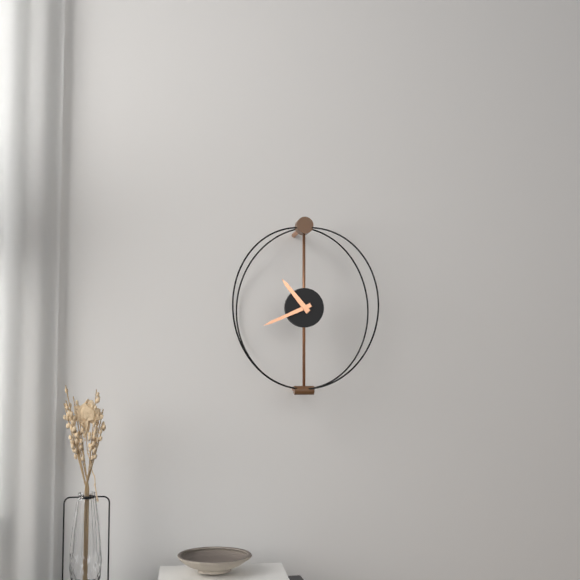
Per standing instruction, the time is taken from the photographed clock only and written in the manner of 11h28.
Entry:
10h41
